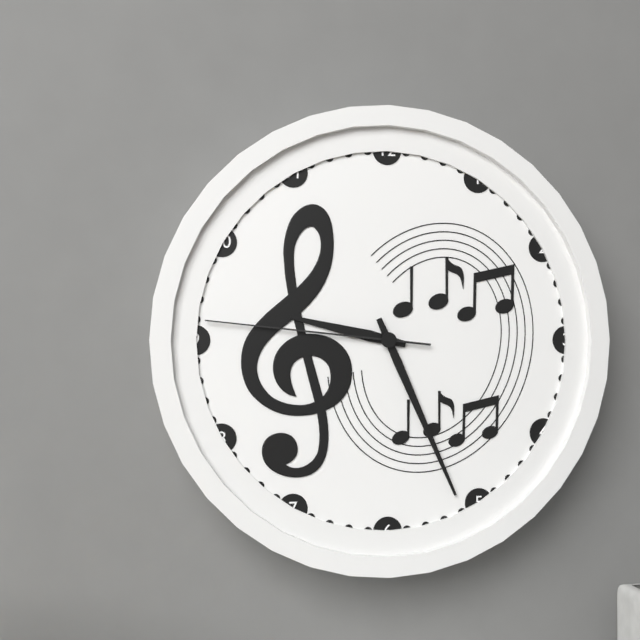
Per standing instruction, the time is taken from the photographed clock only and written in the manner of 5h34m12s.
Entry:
9h26m46s
